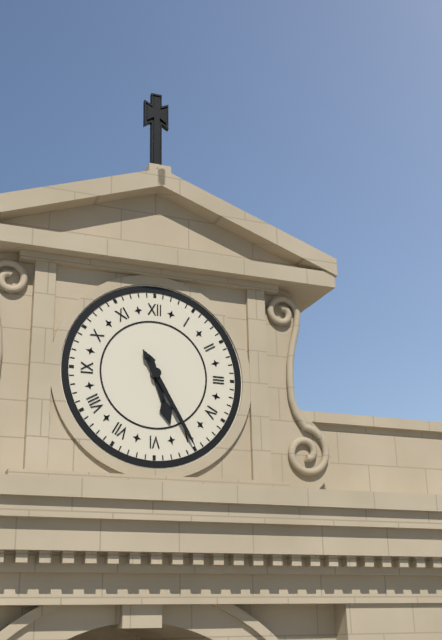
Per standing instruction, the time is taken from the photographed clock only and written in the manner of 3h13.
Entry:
5h25
